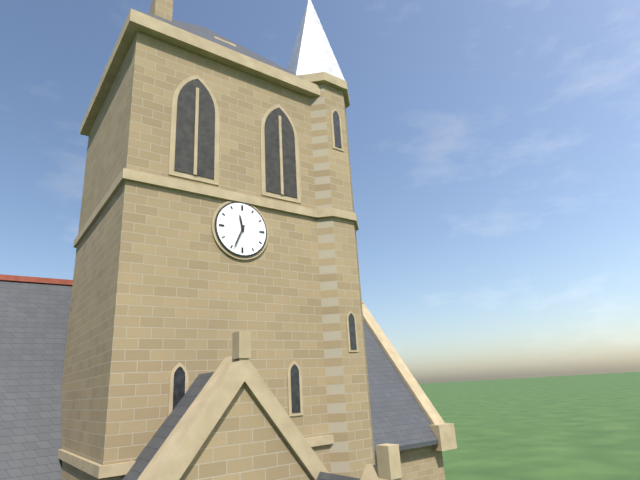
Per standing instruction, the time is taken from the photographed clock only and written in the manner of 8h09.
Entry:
11h34
